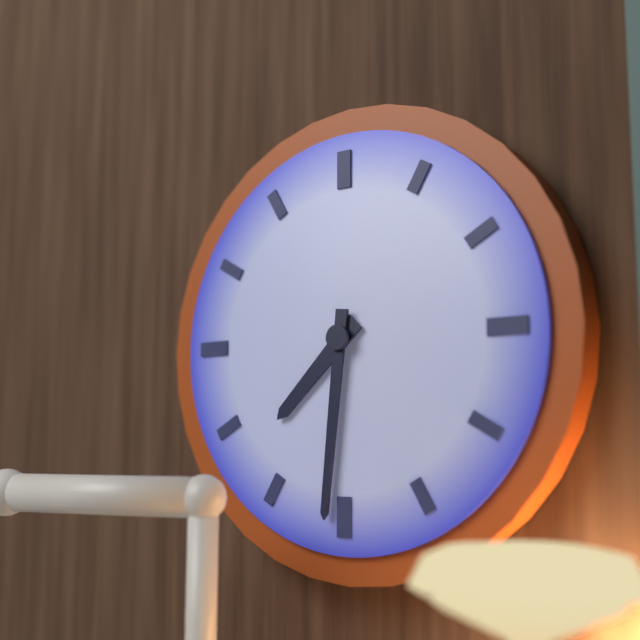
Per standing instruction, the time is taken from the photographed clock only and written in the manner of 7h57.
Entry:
7h31
